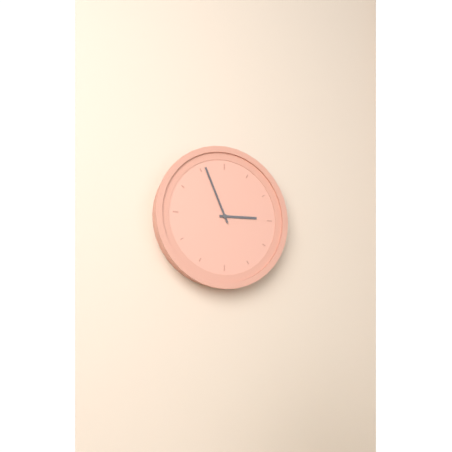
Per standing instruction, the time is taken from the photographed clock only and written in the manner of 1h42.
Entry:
2h56
